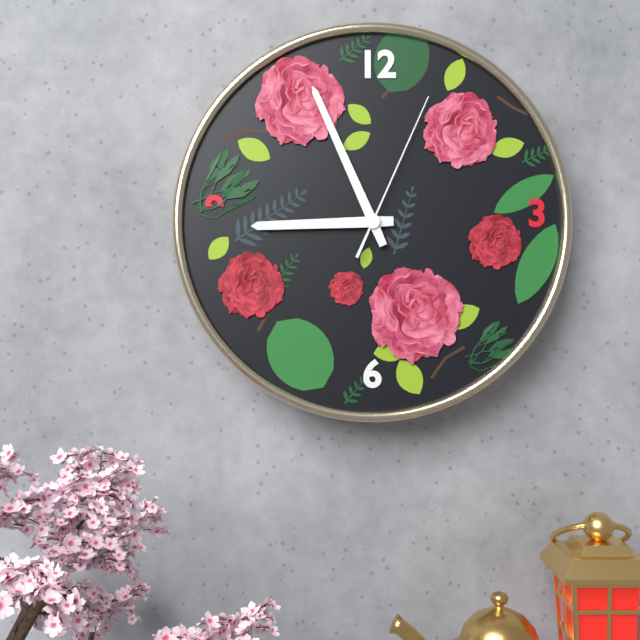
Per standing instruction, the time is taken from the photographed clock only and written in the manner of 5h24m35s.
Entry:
8h56m04s
